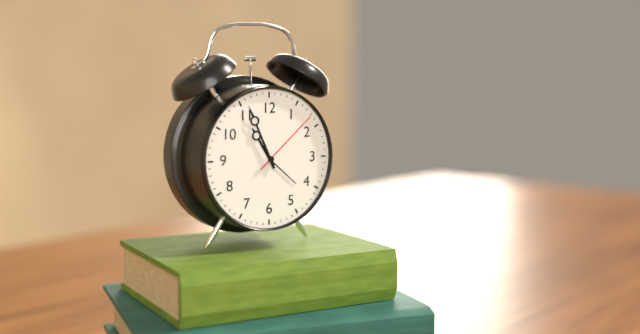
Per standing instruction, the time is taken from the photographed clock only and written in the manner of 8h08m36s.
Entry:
10h56m08s
